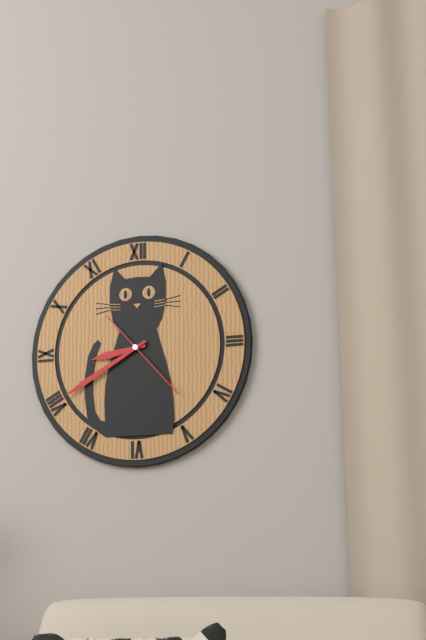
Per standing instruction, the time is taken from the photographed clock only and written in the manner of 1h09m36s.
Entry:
8h40m23s
